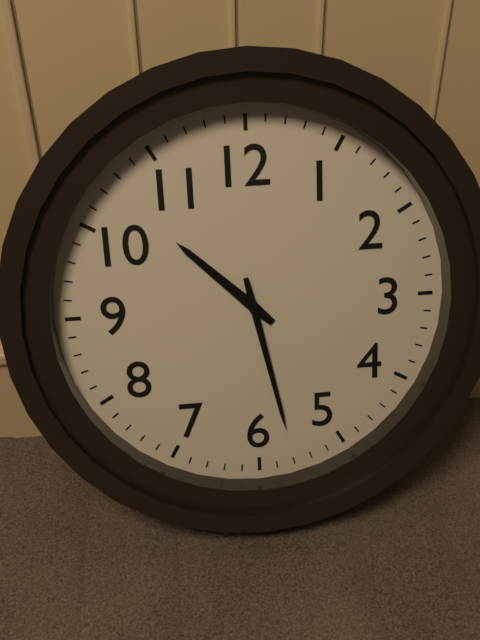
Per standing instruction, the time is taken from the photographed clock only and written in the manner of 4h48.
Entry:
10h28
